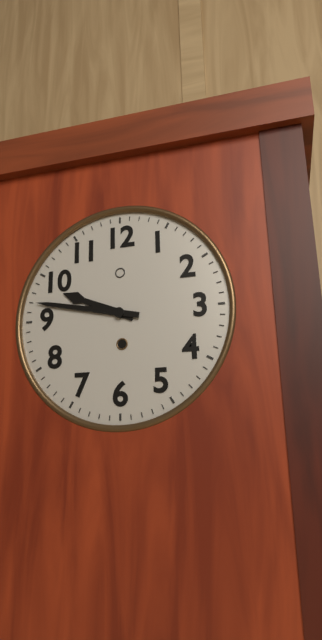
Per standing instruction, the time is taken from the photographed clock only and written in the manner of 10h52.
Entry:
9h47
